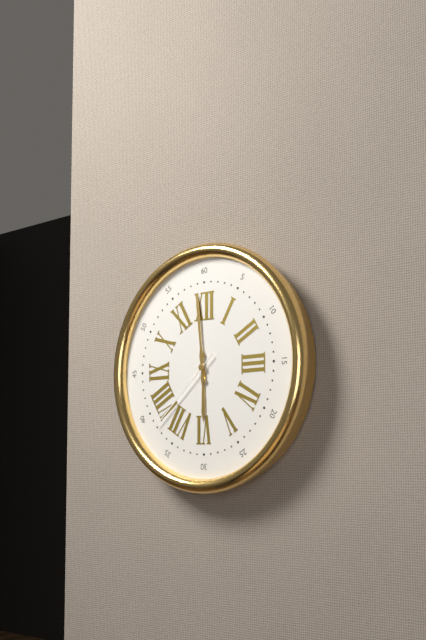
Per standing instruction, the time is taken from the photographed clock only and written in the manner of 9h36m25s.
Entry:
5h59m38s
